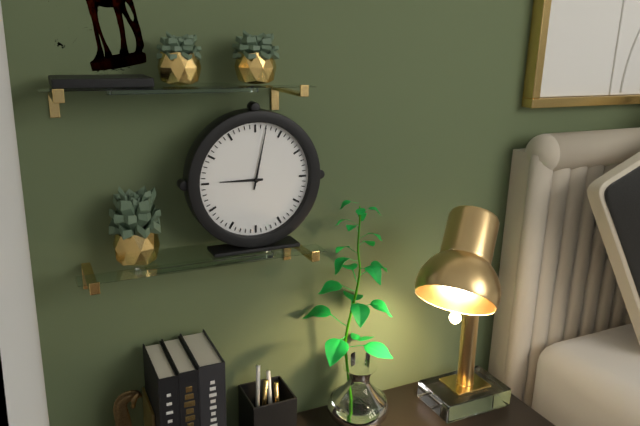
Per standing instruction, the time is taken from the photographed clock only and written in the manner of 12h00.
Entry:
9h02
